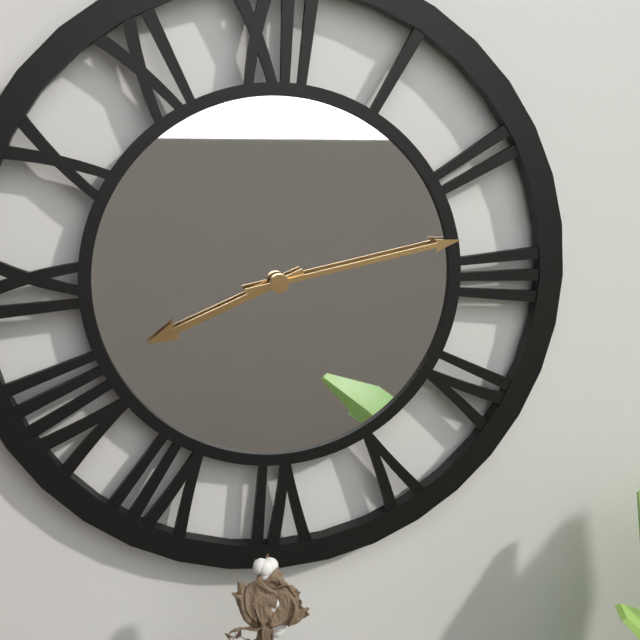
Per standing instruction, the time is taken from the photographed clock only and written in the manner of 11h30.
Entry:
8h13
